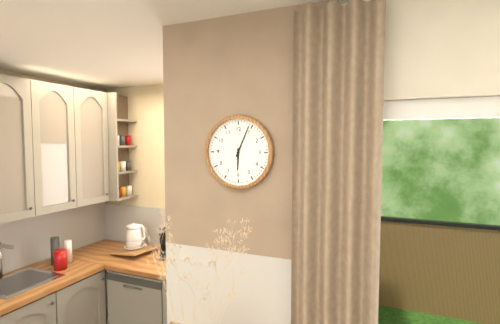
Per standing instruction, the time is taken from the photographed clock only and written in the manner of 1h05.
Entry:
6h04
